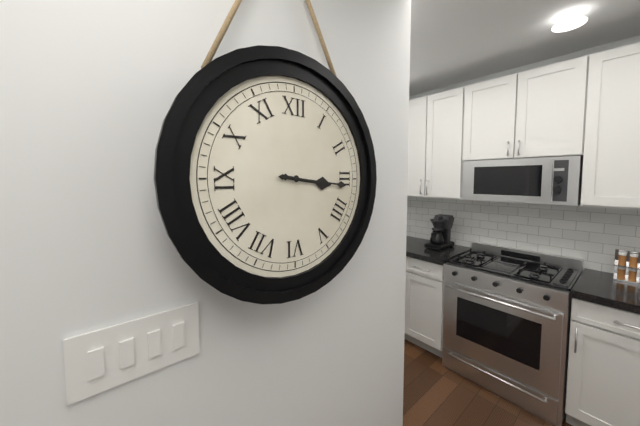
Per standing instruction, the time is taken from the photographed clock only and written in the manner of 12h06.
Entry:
3h16
